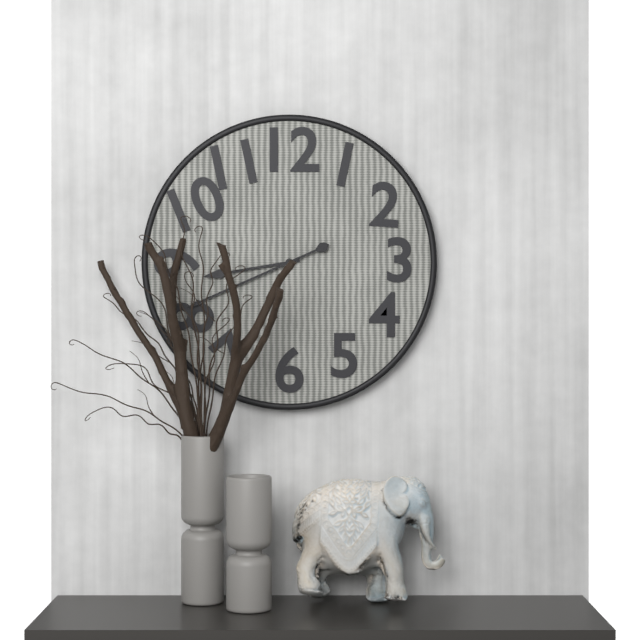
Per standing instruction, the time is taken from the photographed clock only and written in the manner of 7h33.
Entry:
8h41
